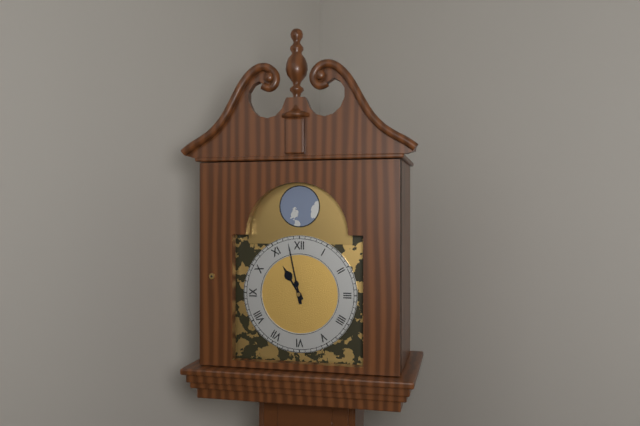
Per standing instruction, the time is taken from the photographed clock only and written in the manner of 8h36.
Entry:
10h58
